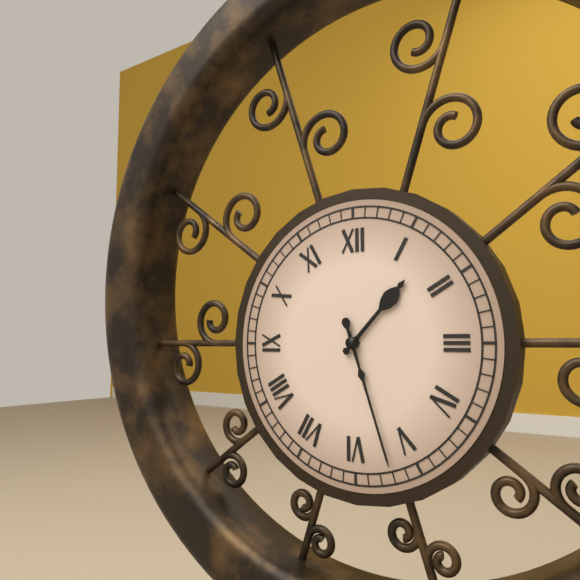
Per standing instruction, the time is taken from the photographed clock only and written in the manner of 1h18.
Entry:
1h27
